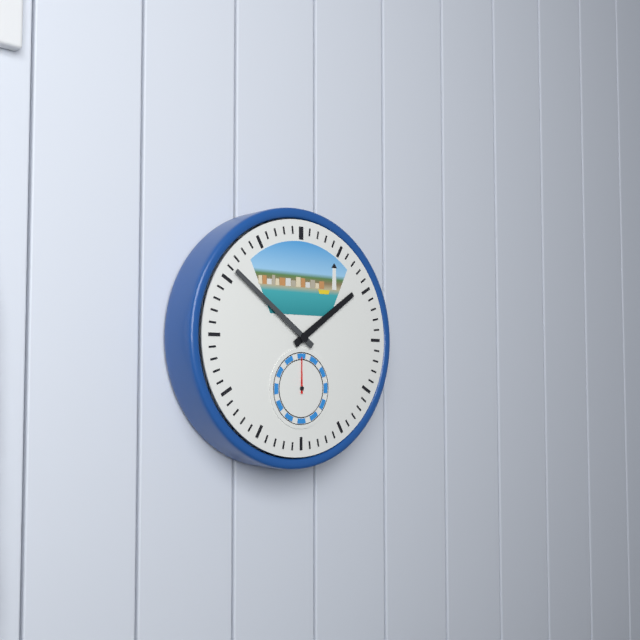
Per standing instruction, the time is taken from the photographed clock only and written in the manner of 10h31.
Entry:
1h51
